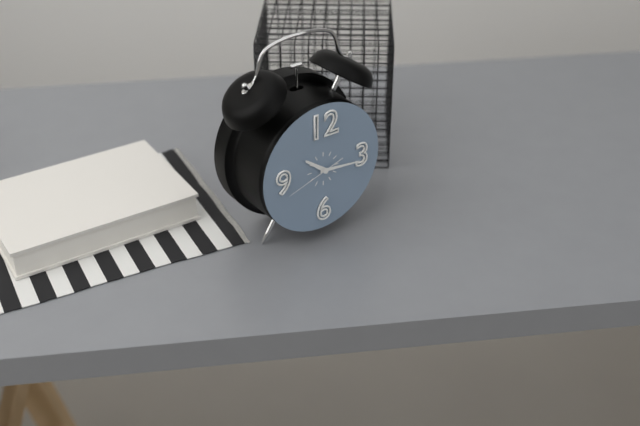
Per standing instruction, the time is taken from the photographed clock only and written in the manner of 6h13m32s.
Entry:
10h16m42s
